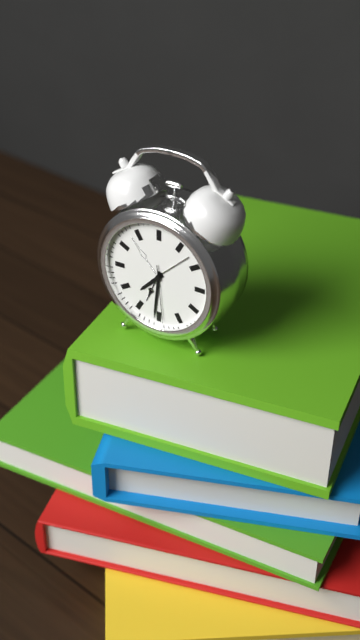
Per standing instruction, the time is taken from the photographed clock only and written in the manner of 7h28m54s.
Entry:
7h31m29s
